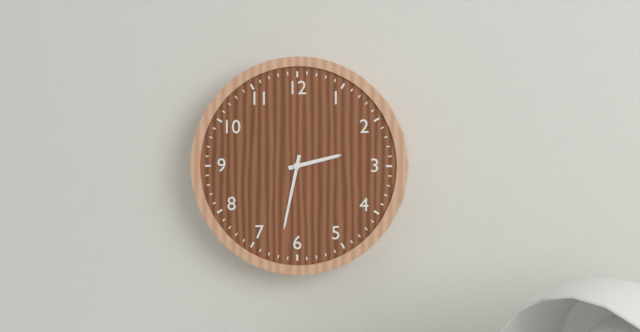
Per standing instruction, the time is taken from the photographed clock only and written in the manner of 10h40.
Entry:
2h32
